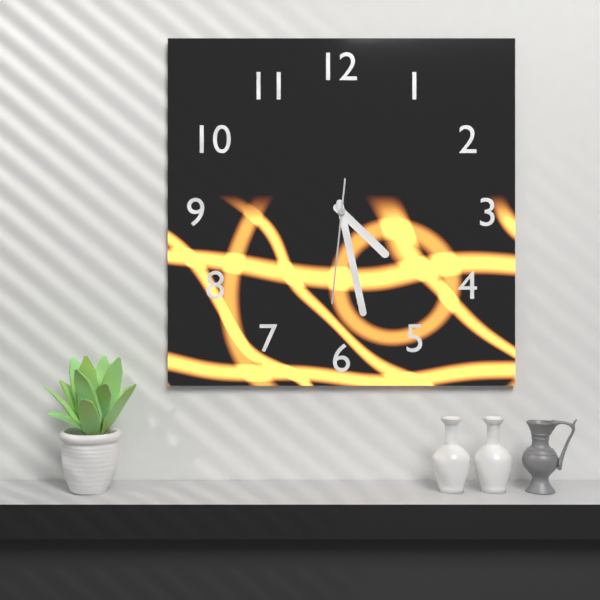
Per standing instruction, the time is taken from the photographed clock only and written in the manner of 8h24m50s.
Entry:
4h28m31s
